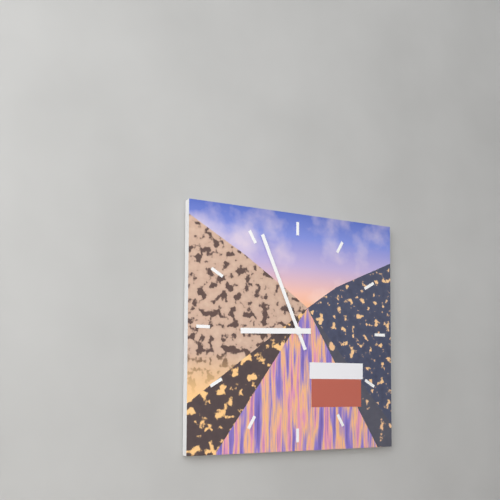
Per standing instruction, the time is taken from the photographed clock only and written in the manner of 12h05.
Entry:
8h56
